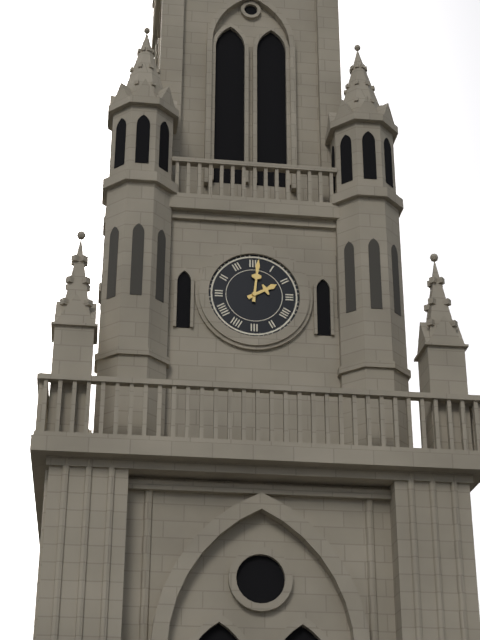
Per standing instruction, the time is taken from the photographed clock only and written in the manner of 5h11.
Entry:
2h01
